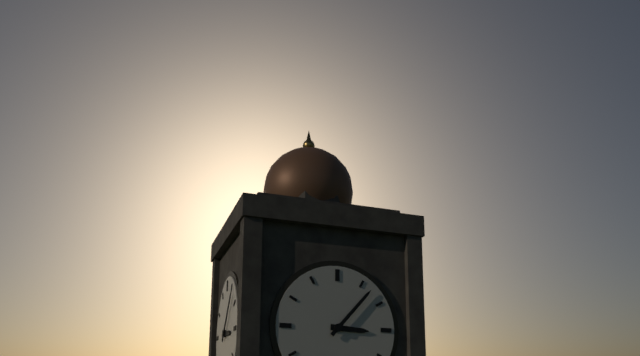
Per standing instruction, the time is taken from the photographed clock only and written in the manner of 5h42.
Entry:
3h07
